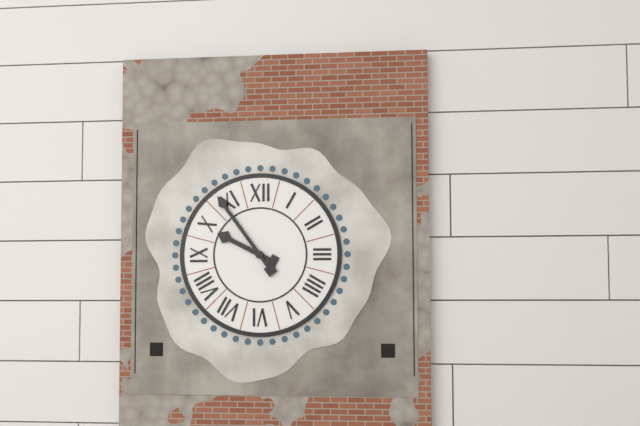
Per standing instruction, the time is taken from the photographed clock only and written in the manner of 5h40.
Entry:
9h54
